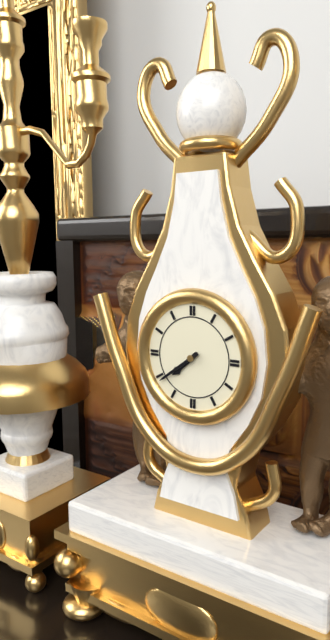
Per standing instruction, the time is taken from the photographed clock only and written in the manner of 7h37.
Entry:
7h39
